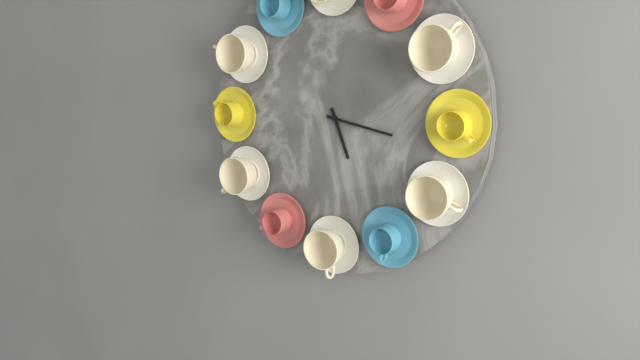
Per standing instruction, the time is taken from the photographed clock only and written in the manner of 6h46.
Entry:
5h17
